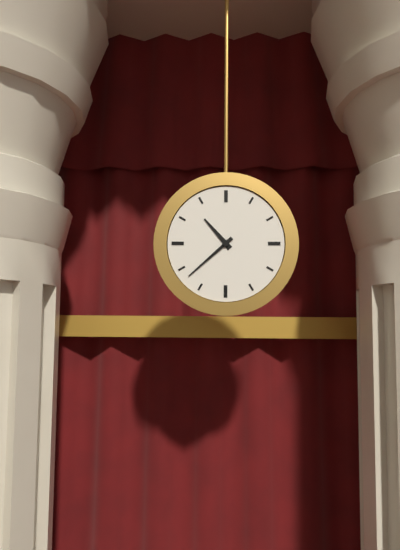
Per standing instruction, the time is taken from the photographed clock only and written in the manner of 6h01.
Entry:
10h38
